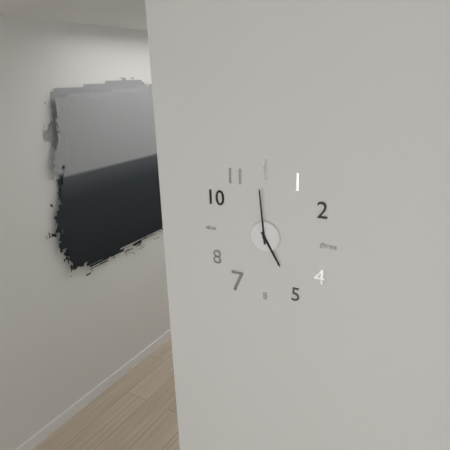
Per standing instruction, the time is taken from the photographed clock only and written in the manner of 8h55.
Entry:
4h59
